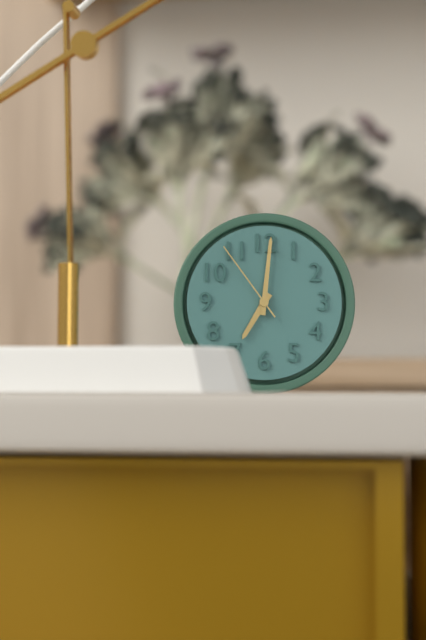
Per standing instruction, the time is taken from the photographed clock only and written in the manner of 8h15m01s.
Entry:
7h01m54s
